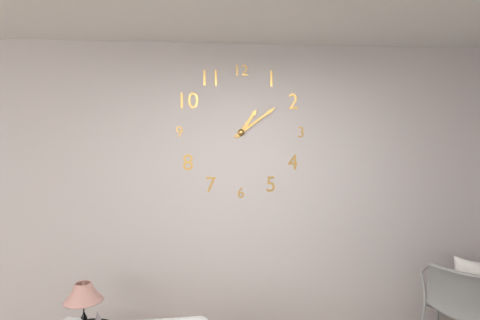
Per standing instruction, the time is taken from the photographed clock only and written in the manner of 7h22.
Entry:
1h09
